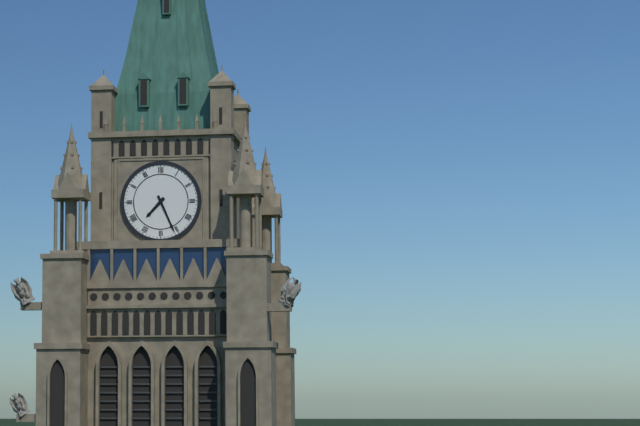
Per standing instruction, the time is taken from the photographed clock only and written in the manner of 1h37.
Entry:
7h26
